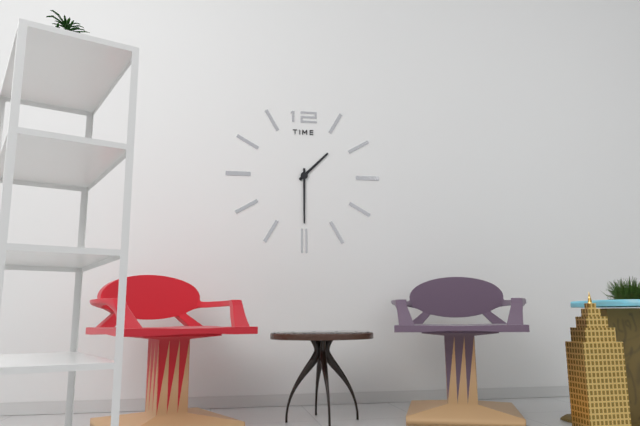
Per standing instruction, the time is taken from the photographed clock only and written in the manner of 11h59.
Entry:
1h30
